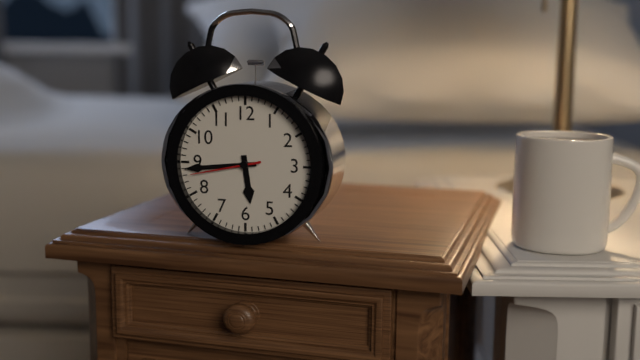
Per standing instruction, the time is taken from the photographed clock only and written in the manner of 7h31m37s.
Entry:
5h44m43s
